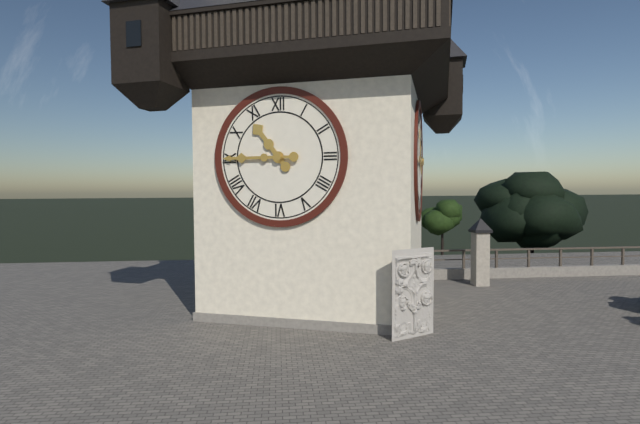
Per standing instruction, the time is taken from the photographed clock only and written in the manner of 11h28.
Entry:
10h45
